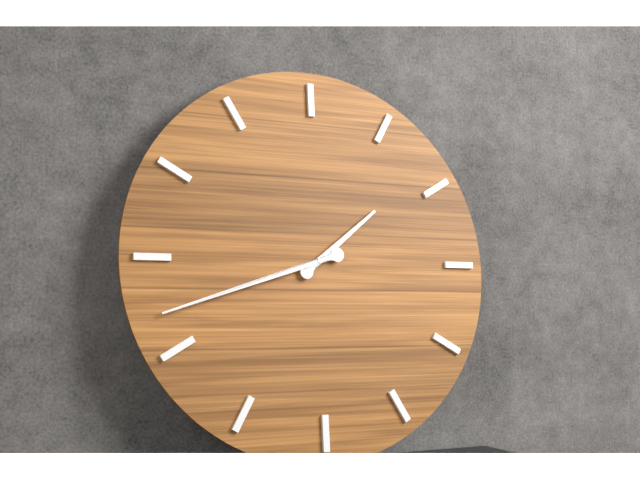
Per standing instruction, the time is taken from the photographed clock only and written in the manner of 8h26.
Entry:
1h42
